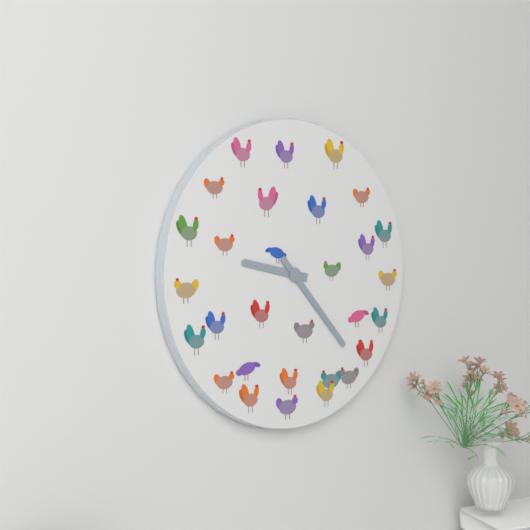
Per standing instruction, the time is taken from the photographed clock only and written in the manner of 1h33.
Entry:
9h23
